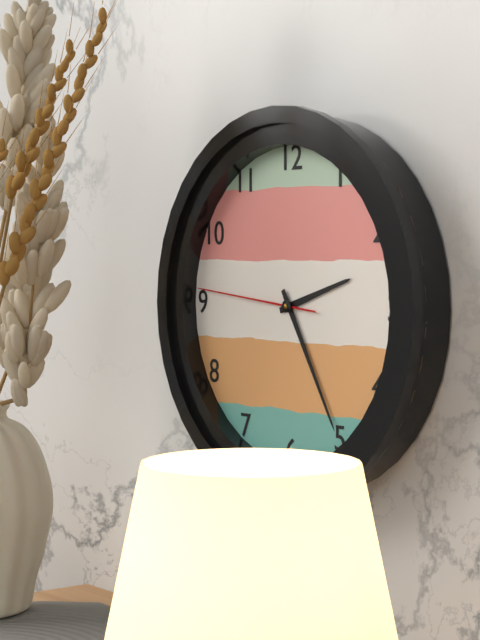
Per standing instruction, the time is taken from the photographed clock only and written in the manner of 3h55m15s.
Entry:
2h25m46s
